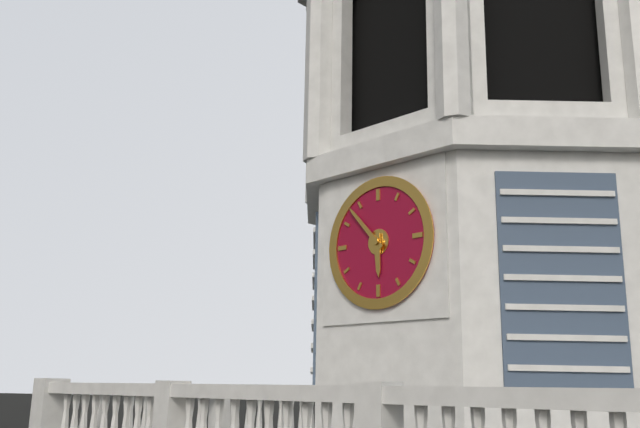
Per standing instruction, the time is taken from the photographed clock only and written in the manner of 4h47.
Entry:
5h53
